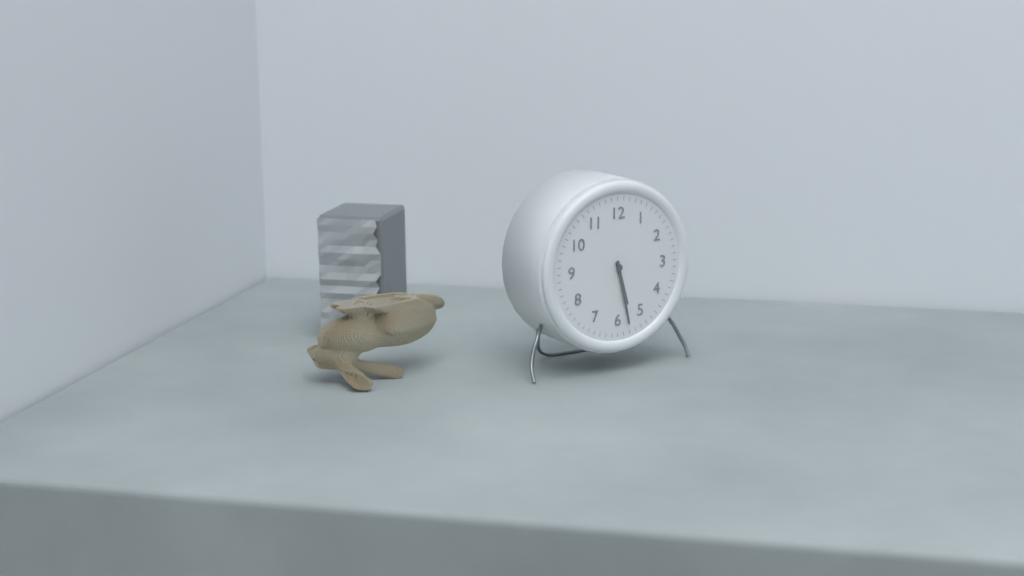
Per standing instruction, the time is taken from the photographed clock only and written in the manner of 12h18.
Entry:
5h28
